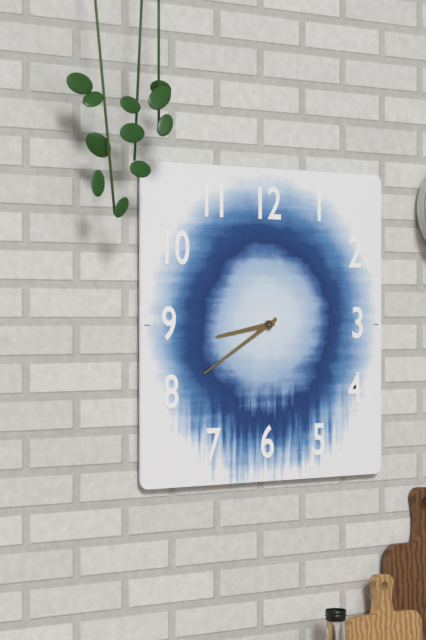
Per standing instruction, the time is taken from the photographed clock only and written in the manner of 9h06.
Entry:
8h40
